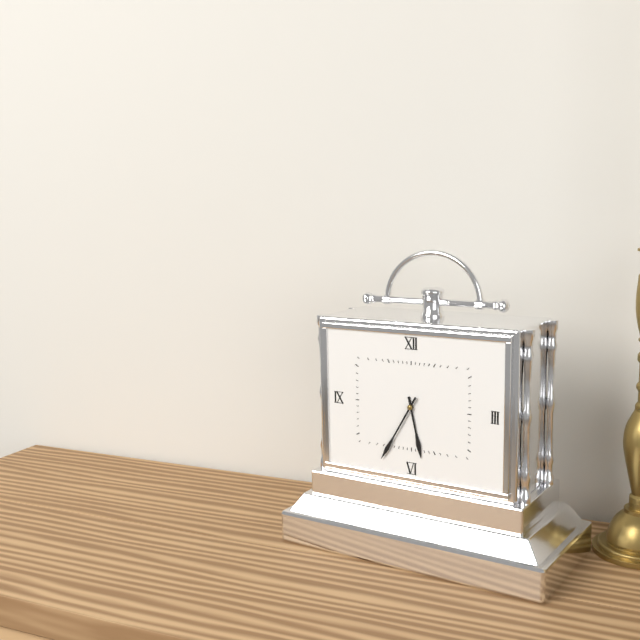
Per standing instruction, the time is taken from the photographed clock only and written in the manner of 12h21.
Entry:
5h35
